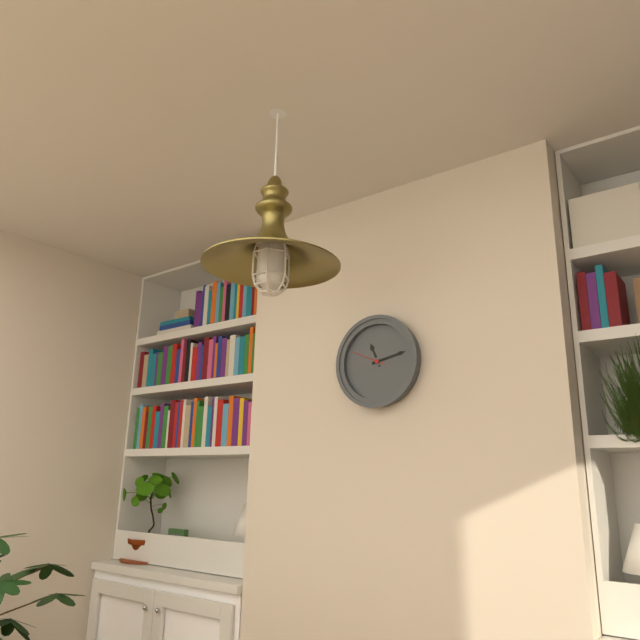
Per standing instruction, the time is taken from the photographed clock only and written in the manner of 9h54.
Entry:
11h13
